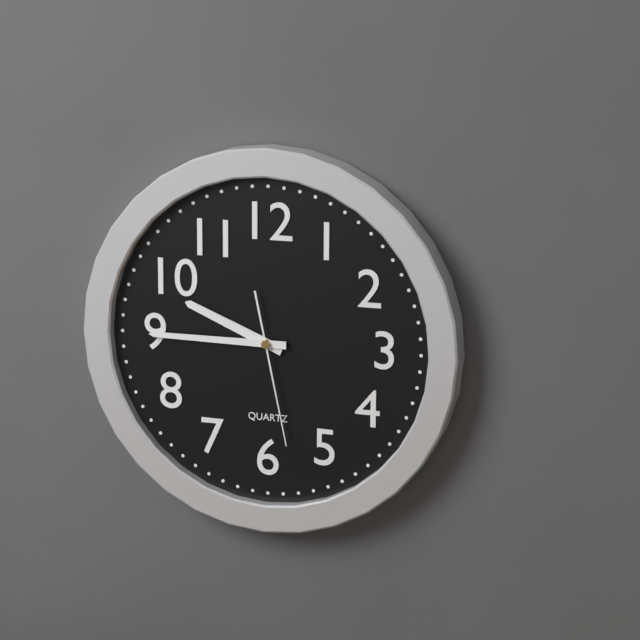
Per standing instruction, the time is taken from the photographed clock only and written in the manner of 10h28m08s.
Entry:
9h45m28s
